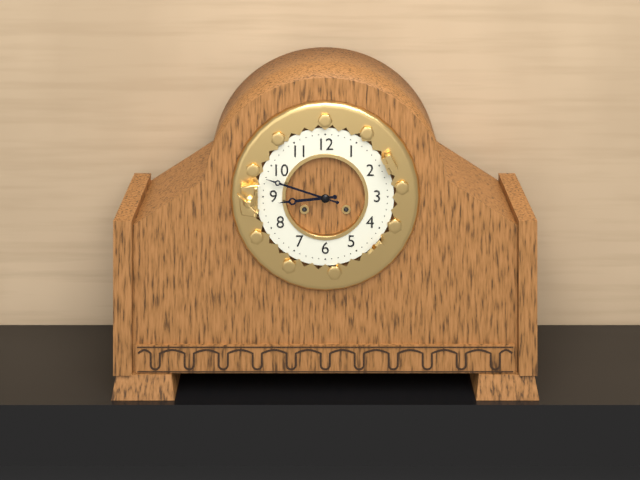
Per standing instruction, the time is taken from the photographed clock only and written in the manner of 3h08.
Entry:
8h48
